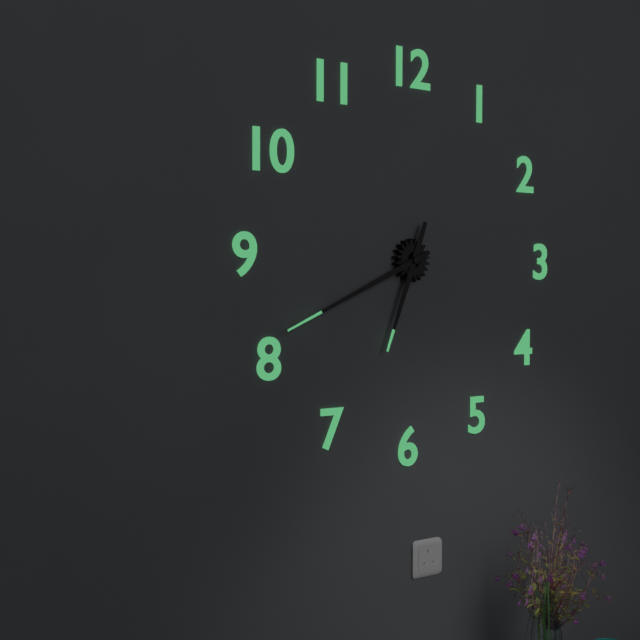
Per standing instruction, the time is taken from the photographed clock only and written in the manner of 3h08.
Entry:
6h41
